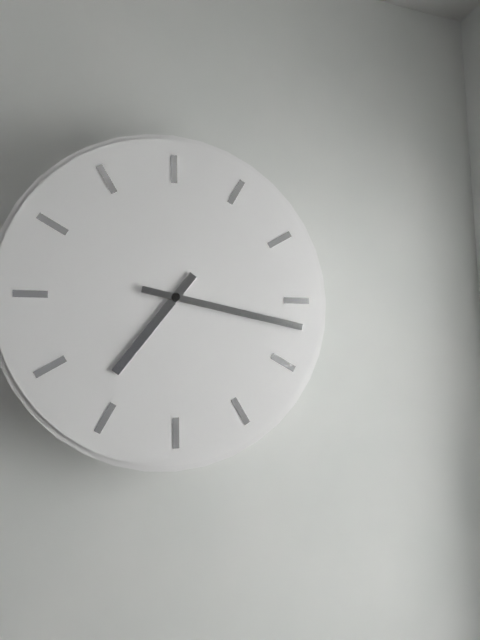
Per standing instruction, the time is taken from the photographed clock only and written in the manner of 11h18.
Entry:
7h17
